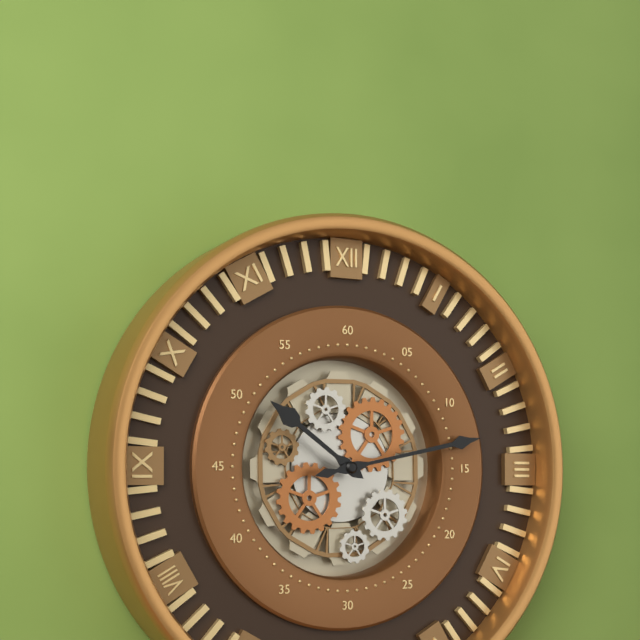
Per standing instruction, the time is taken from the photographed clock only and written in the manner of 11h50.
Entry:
10h13
